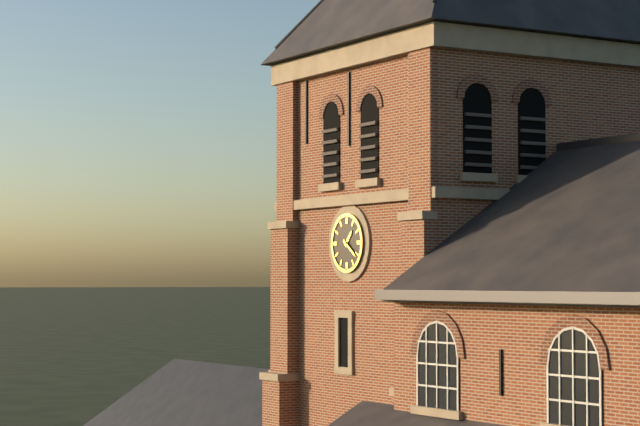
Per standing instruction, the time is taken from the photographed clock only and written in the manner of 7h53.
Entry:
1h21
